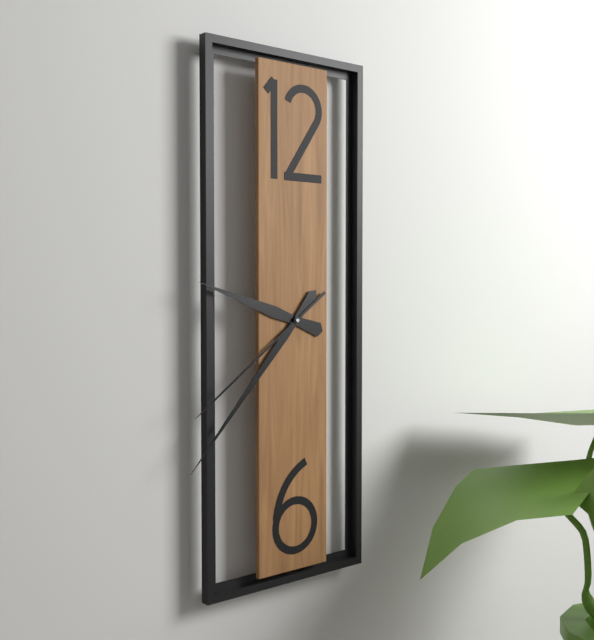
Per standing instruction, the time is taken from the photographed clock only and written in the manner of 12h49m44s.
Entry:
9h37m39s
